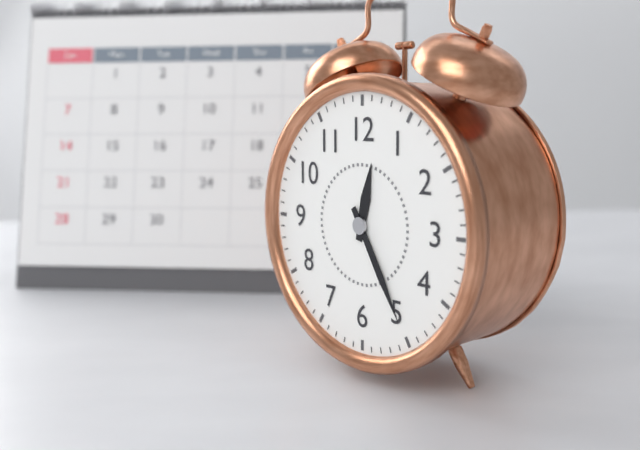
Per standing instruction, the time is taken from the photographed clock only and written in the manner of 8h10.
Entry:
12h25
